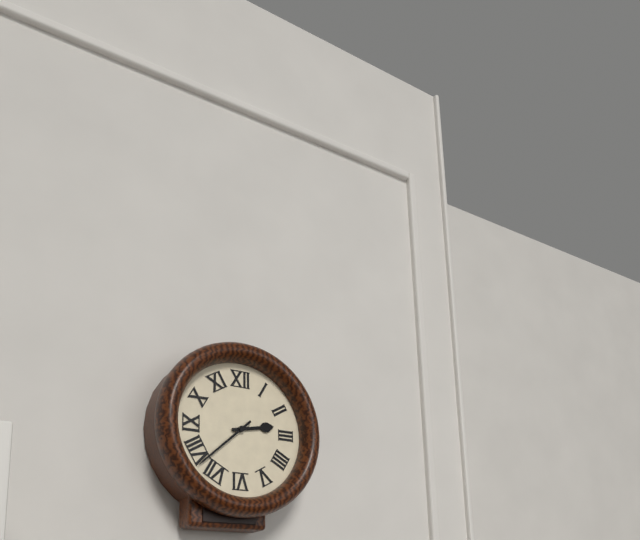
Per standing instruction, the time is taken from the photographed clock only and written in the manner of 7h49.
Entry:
2h38
